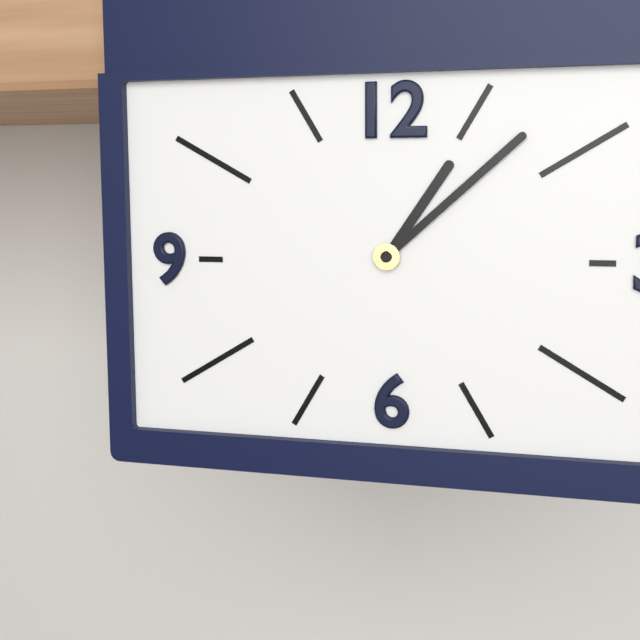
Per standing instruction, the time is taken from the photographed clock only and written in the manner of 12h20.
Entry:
1h08
